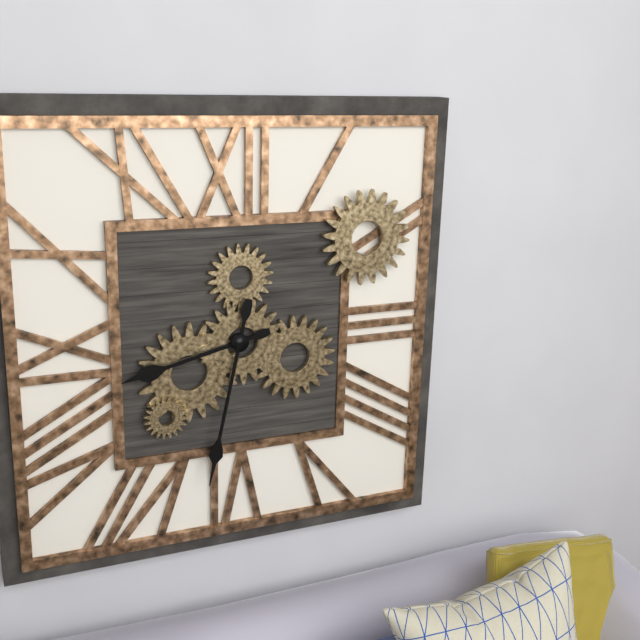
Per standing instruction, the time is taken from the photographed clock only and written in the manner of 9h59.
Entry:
8h32
